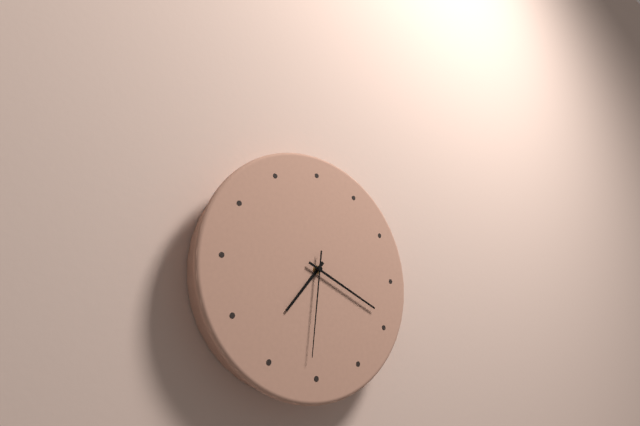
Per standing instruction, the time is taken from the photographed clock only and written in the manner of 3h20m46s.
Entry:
7h19m31s
